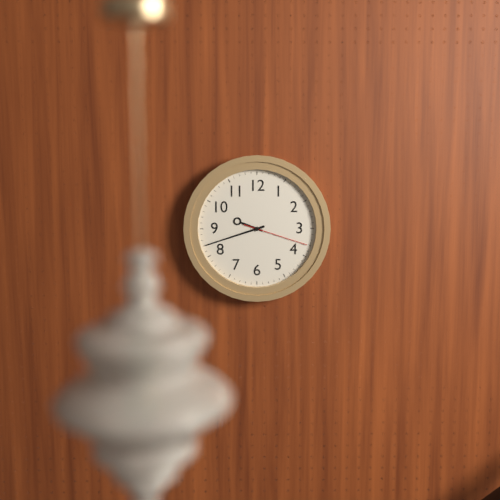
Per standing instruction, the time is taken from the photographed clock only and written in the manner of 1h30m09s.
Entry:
9h42m18s
